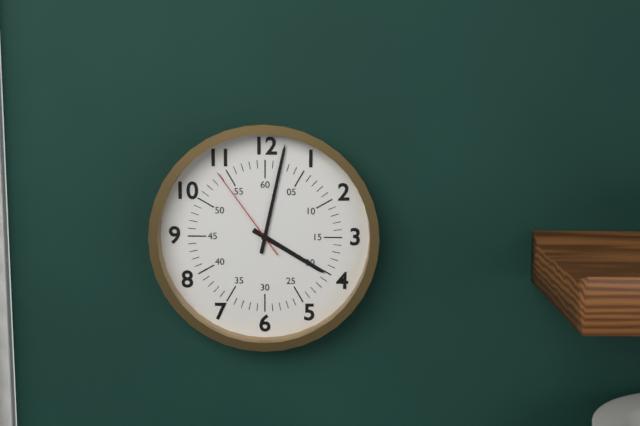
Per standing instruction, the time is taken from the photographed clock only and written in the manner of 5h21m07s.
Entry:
4h02m54s
